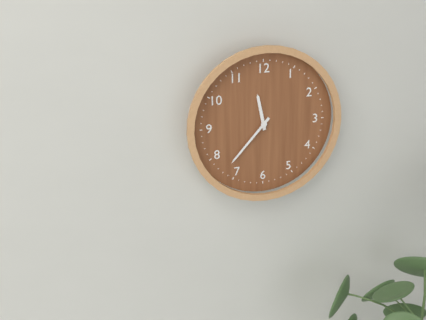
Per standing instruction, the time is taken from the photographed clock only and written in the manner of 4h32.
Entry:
11h37
